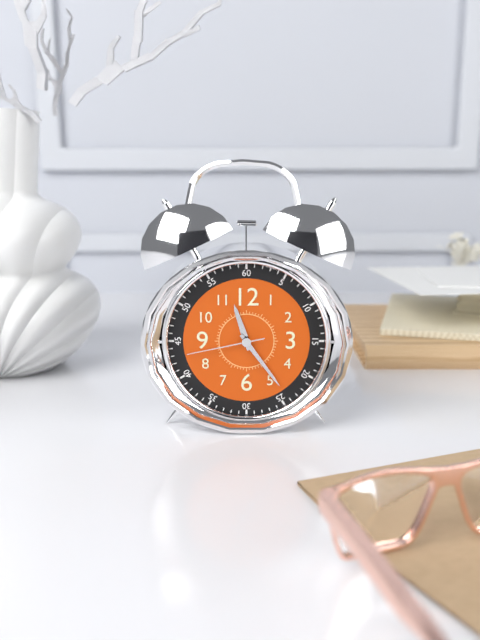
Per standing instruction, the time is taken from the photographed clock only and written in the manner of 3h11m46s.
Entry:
11h24m43s
